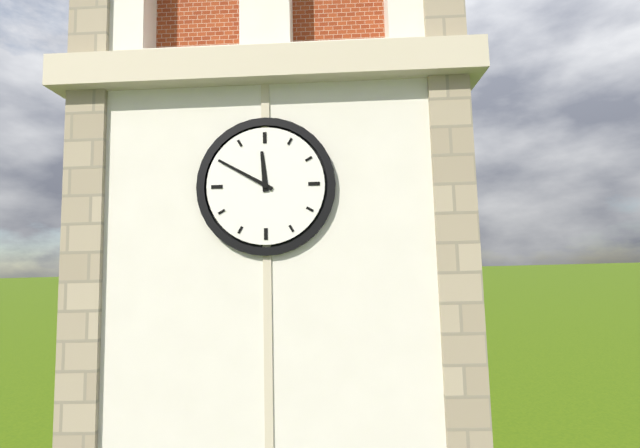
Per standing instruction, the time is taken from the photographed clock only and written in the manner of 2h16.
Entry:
11h50
